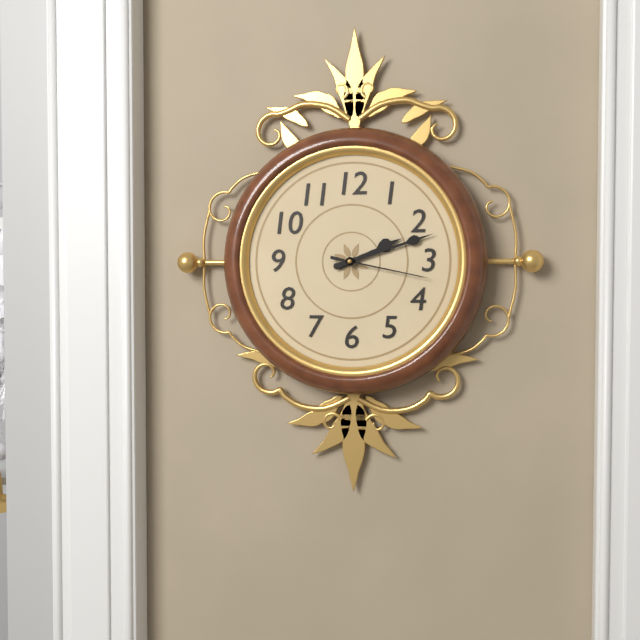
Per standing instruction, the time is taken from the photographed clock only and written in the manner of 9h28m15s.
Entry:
2h12m17s
